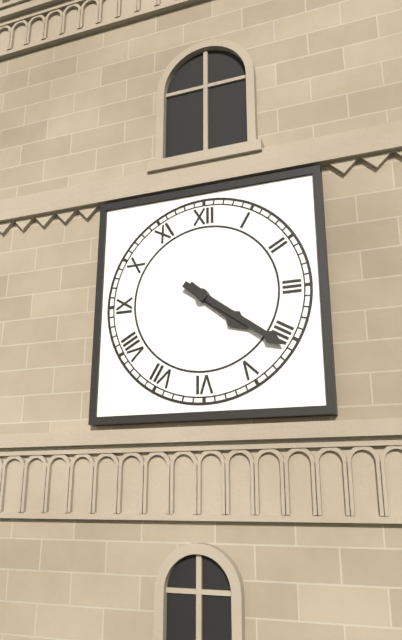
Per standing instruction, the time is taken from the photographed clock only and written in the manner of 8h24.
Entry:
4h21
